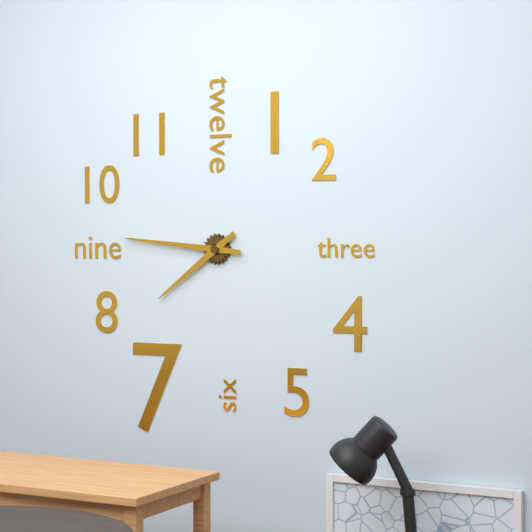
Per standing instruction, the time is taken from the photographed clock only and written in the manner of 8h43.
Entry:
7h46
